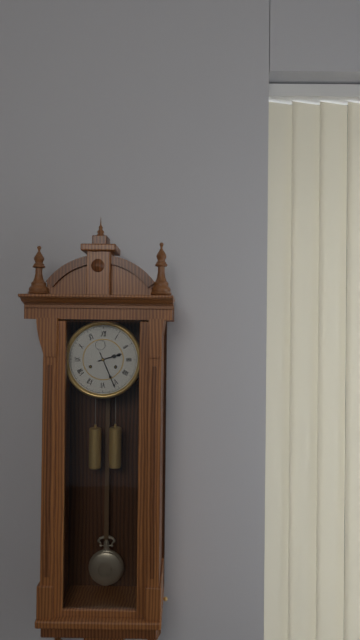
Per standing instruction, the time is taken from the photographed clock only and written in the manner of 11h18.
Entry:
2h26
